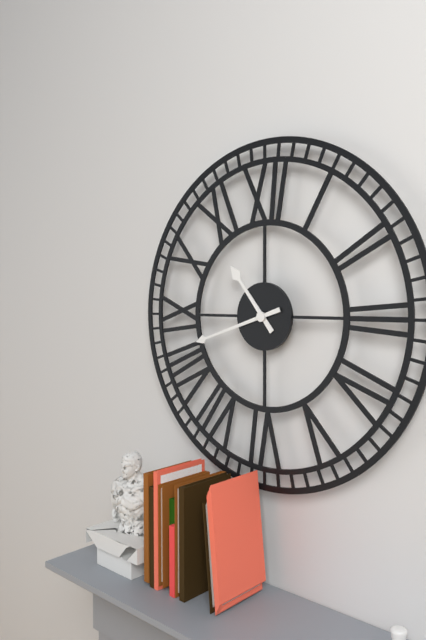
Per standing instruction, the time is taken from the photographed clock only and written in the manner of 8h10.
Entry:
10h42
